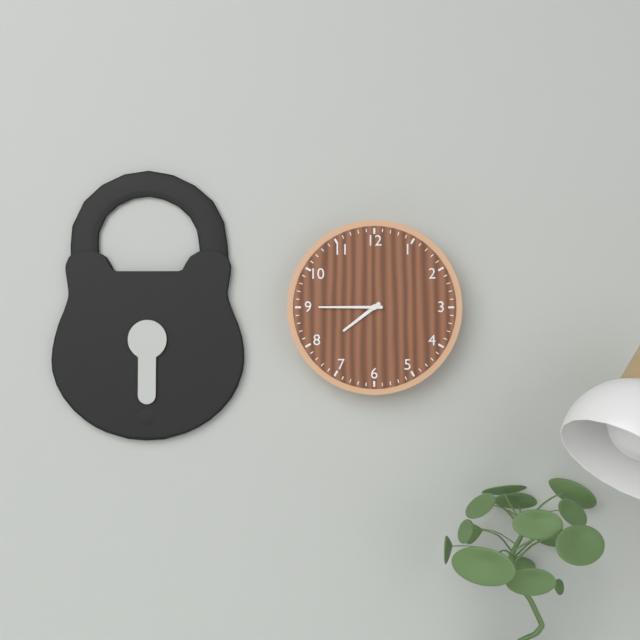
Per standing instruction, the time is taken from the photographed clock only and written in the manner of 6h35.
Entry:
7h45
